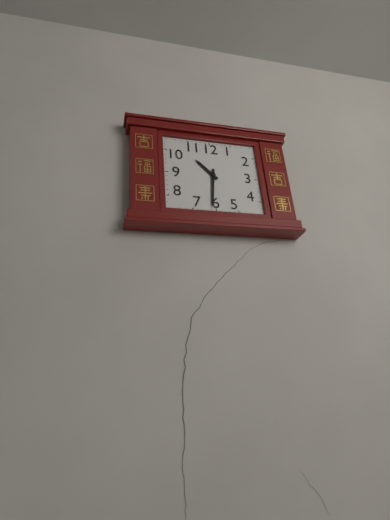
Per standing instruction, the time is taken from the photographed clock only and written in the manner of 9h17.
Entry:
10h31
